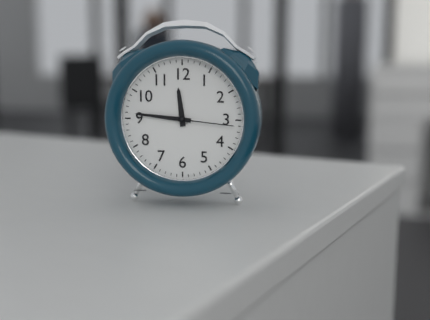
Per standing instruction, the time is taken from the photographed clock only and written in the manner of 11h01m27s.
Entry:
11h46m16s
